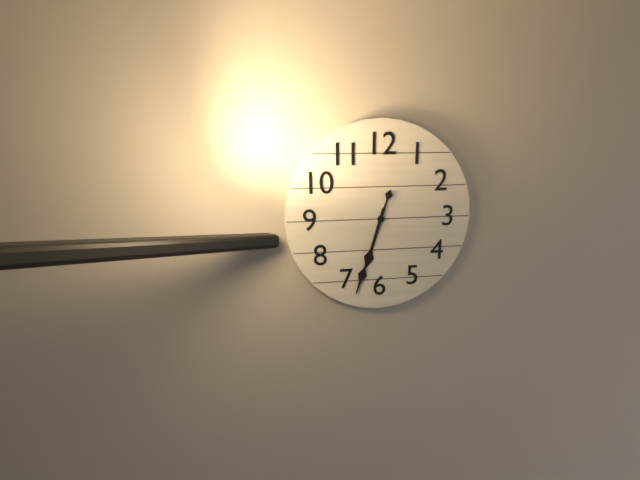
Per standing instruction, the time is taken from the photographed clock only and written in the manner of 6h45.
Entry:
6h33
